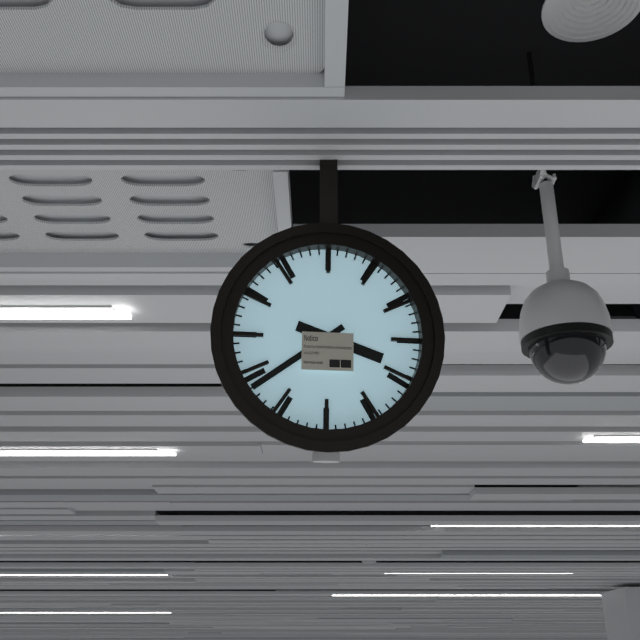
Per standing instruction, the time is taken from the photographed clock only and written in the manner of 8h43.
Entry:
3h39
